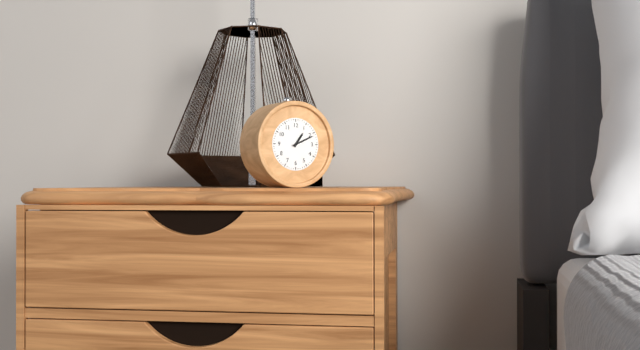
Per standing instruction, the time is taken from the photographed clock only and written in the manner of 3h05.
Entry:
1h11
